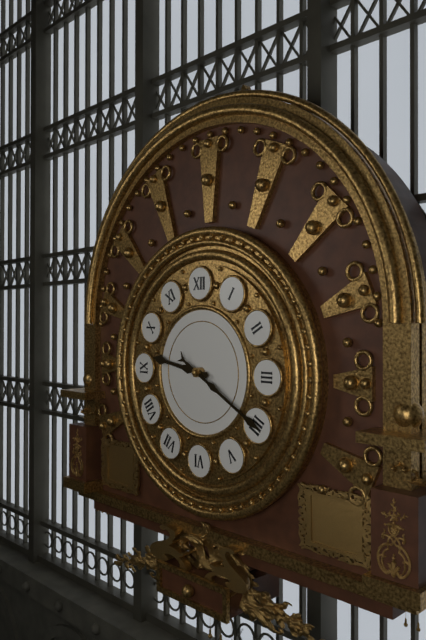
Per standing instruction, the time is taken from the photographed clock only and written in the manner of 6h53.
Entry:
9h20
